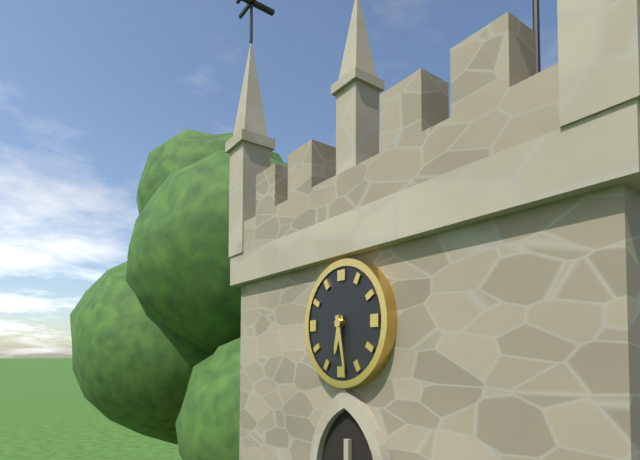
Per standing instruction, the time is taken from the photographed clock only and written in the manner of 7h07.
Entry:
6h28
